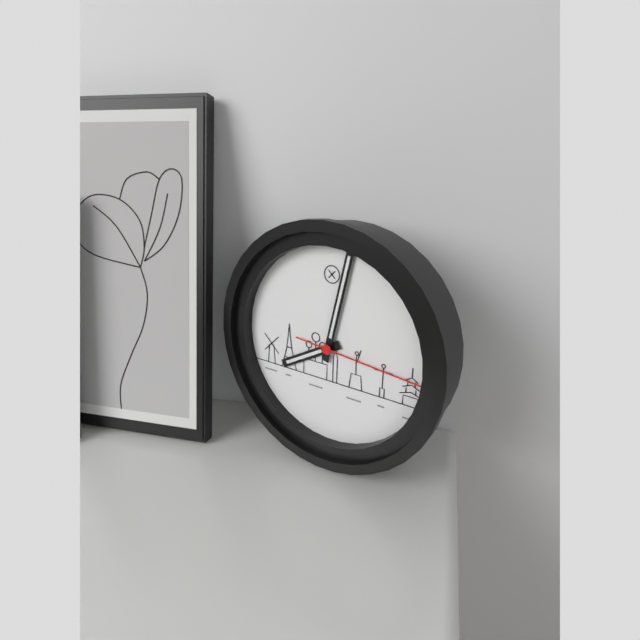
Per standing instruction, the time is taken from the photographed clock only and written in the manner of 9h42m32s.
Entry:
8h02m16s
